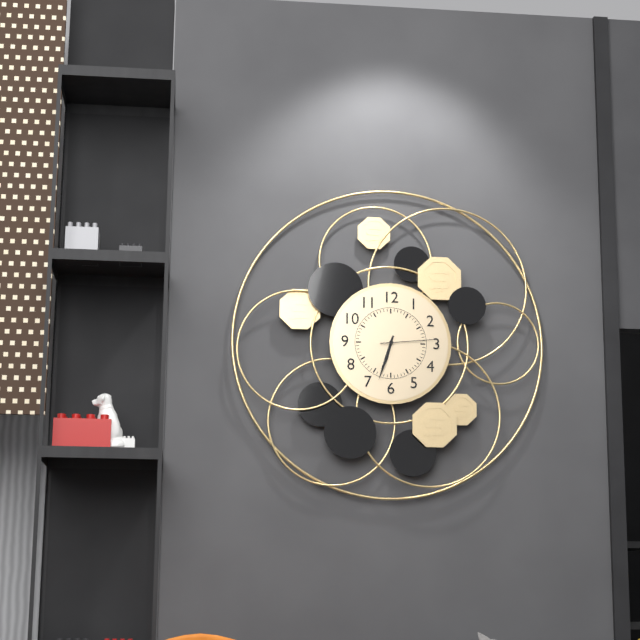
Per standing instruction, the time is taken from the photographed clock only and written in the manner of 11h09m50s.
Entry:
6h33m14s
